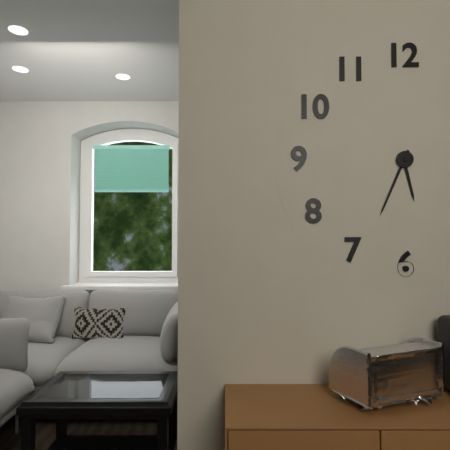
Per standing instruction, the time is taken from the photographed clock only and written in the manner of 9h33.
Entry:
5h34
